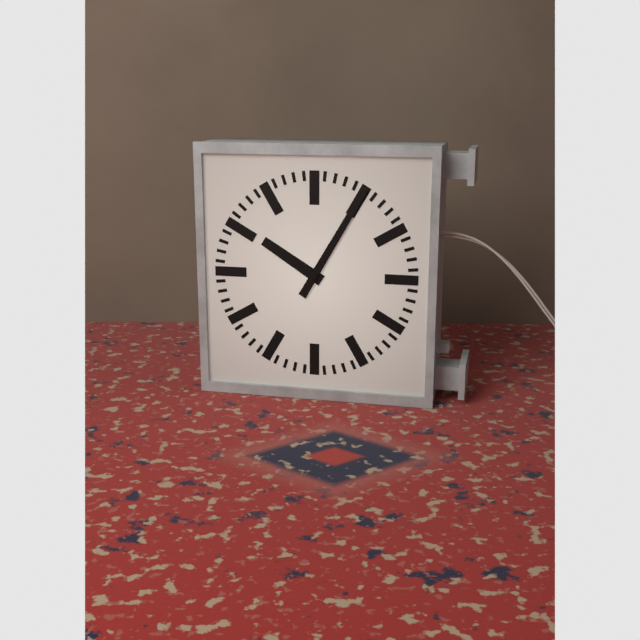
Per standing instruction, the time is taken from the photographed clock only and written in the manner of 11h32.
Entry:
10h05
